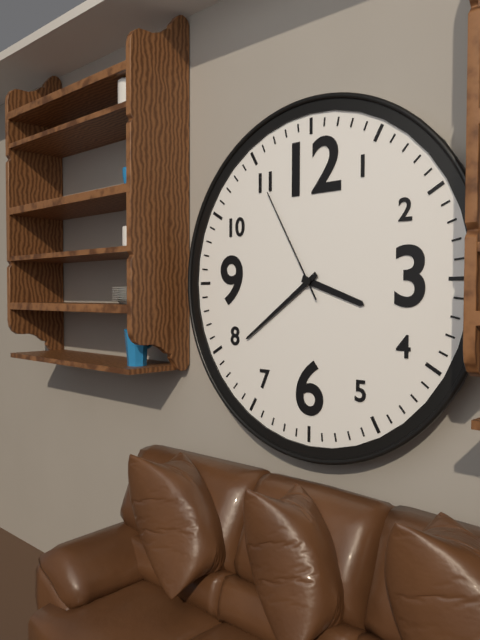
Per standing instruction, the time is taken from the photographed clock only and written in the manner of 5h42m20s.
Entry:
3h39m55s
